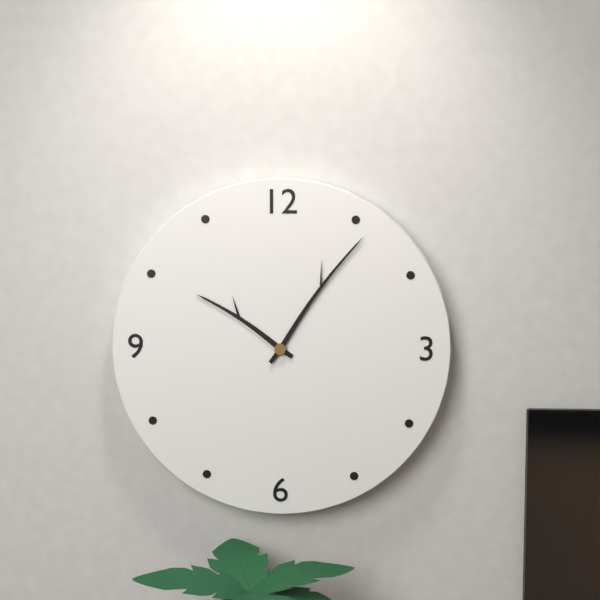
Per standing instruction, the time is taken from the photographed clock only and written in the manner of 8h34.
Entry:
10h06
